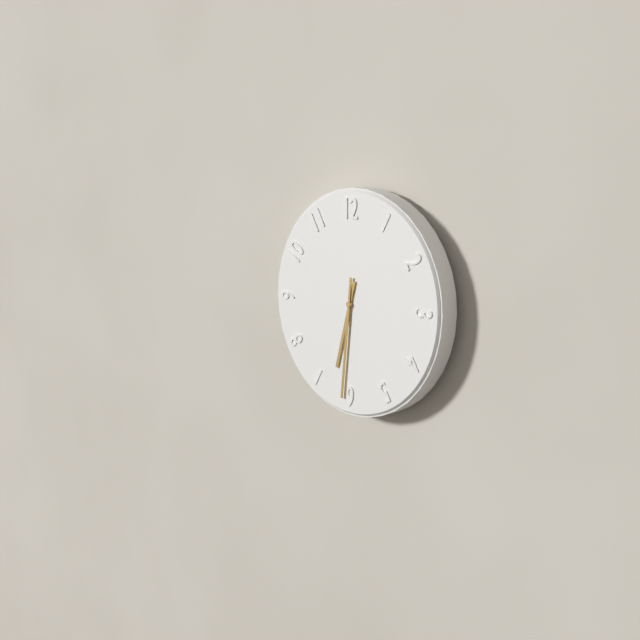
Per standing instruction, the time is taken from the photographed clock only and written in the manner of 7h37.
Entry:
6h31
